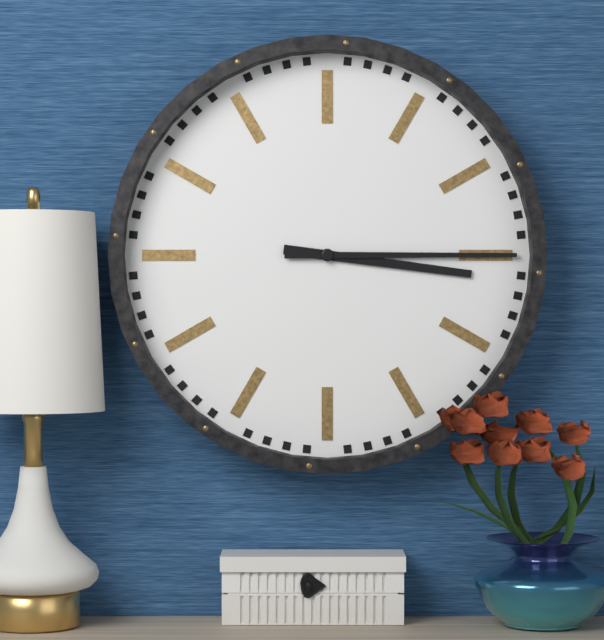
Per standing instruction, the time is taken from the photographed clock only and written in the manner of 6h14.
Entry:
3h15
